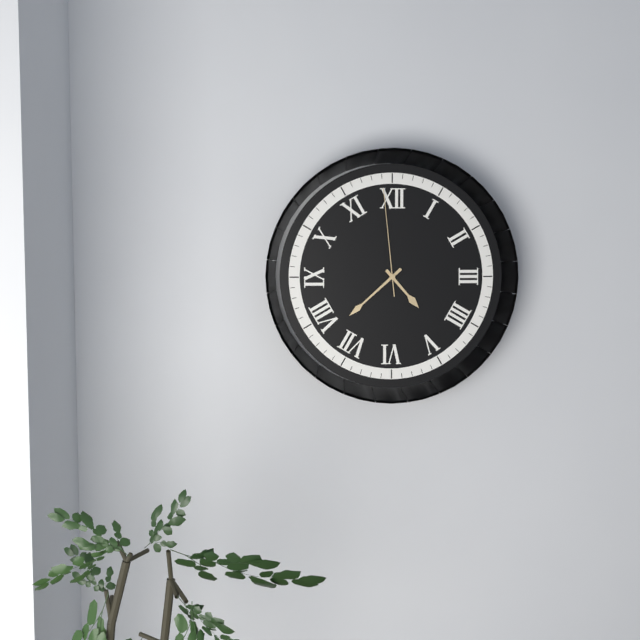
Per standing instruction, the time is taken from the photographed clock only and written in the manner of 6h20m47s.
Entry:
4h38m59s
